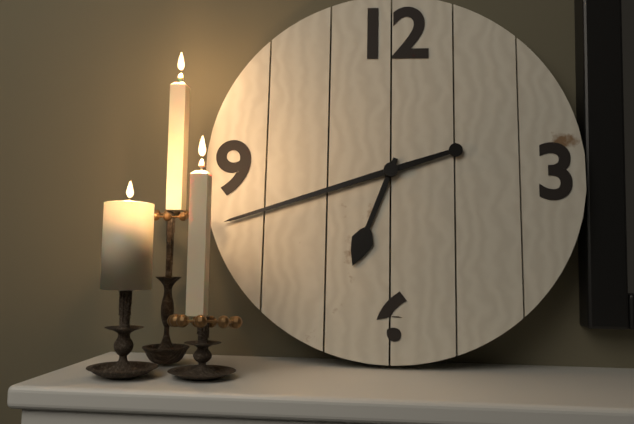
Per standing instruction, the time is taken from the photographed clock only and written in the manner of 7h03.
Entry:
6h42
